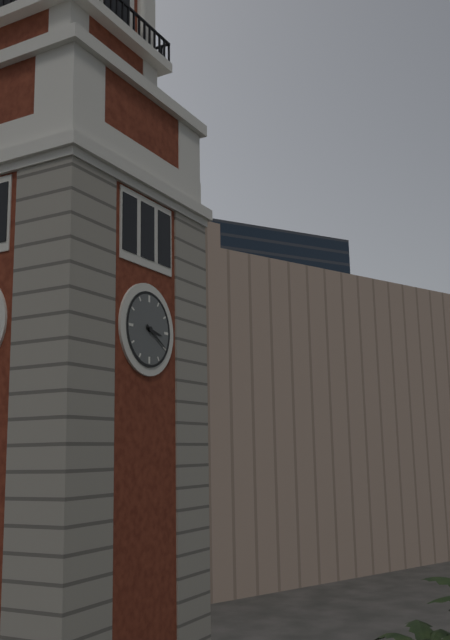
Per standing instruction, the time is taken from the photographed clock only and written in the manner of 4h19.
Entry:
3h20
